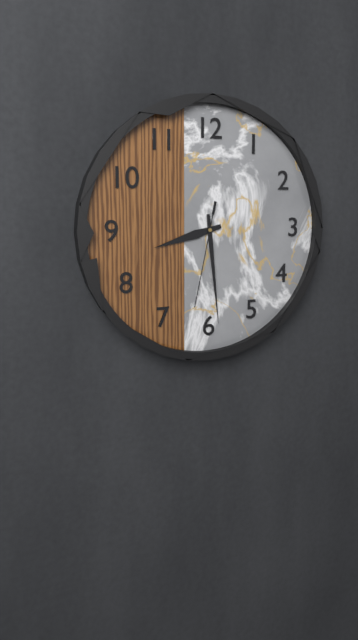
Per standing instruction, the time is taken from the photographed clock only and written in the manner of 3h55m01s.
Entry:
8h29m32s
